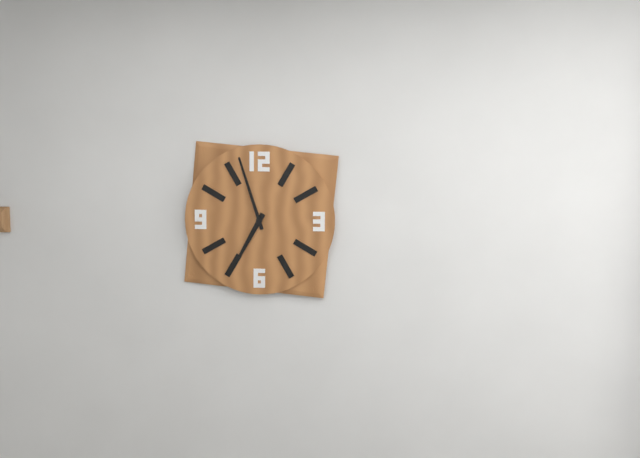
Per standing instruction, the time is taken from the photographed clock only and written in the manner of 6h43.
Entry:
6h57
